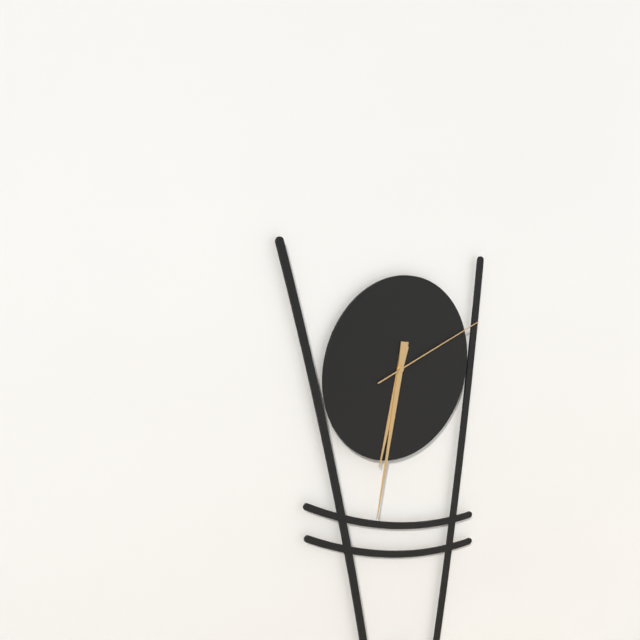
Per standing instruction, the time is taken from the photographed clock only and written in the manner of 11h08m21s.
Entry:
6h32m12s
